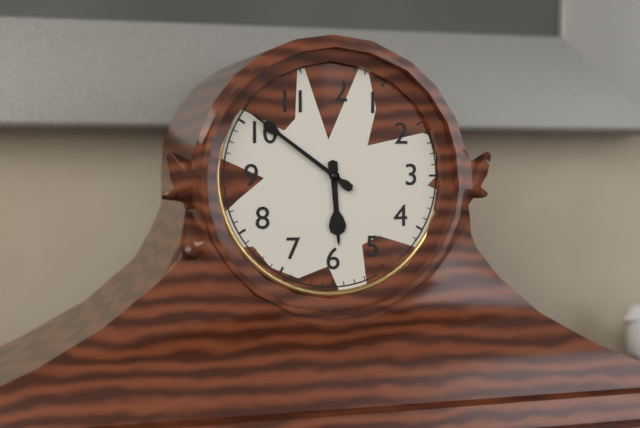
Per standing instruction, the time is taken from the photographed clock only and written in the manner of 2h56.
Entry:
5h51
